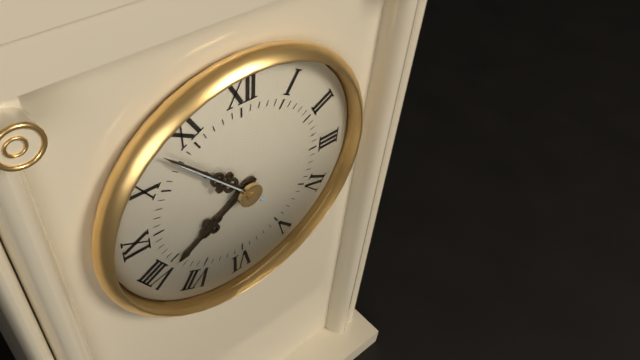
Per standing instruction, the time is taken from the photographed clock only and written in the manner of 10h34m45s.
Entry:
7h53m53s
